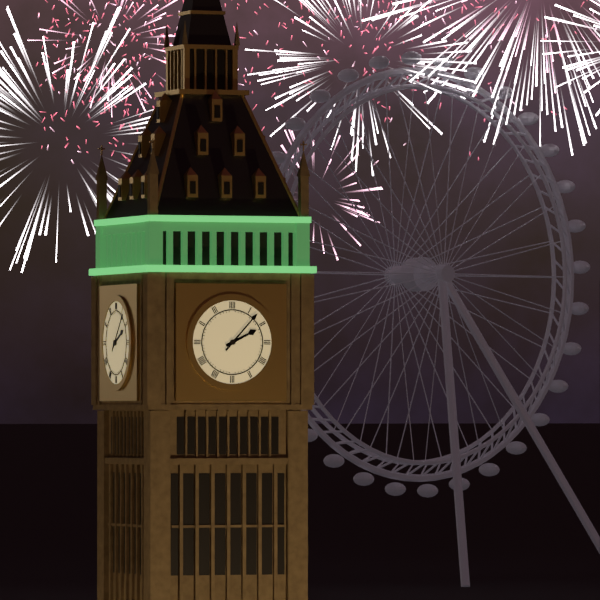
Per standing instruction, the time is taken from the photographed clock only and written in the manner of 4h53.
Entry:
2h07
